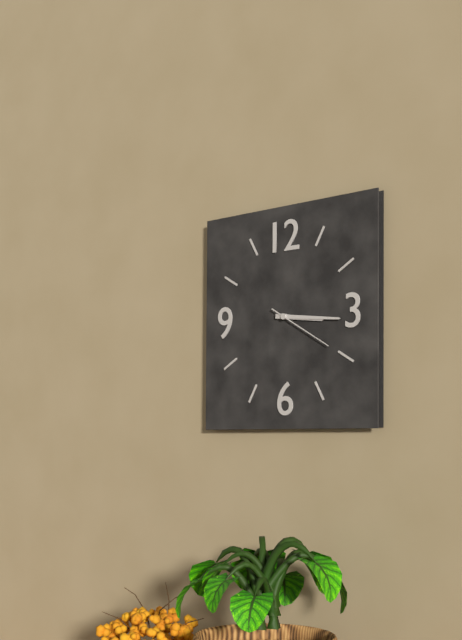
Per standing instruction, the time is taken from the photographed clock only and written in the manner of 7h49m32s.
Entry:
3h16m20s
